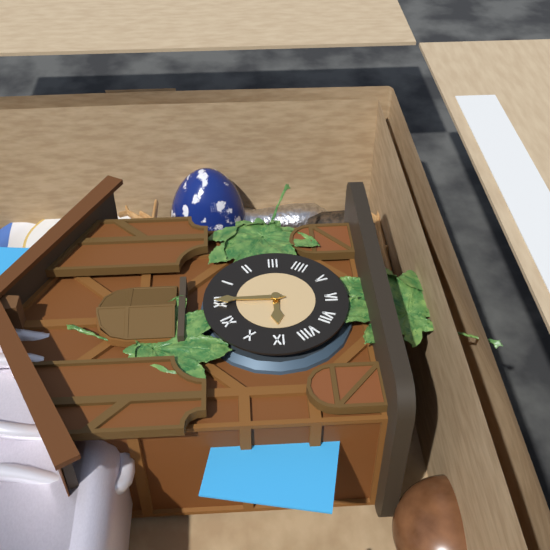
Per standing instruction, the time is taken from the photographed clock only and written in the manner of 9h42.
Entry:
9h00
